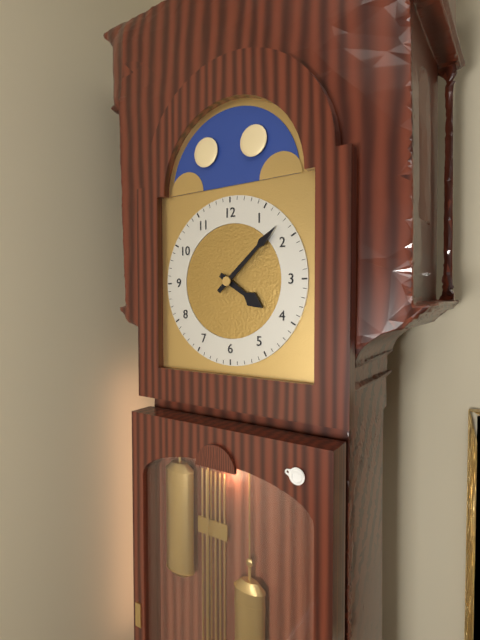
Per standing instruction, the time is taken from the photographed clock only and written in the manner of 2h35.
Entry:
4h08
